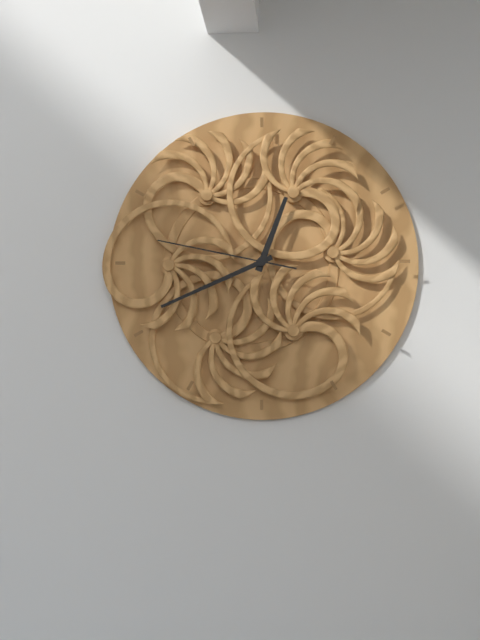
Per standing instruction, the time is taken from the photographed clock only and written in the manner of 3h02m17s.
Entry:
12h41m47s
